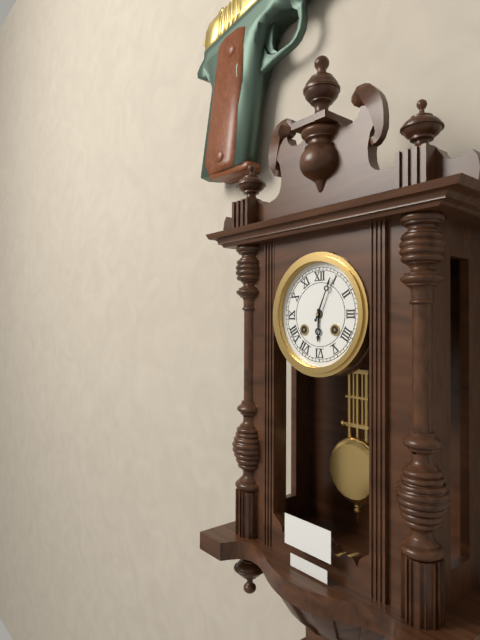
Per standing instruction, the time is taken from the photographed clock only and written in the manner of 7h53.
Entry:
6h04
